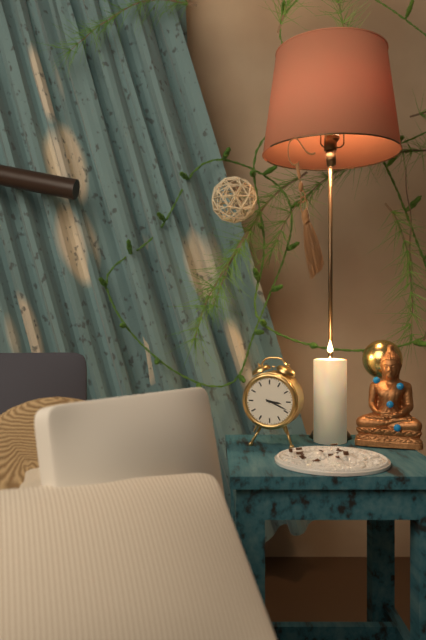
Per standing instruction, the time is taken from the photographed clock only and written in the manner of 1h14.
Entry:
3h19
